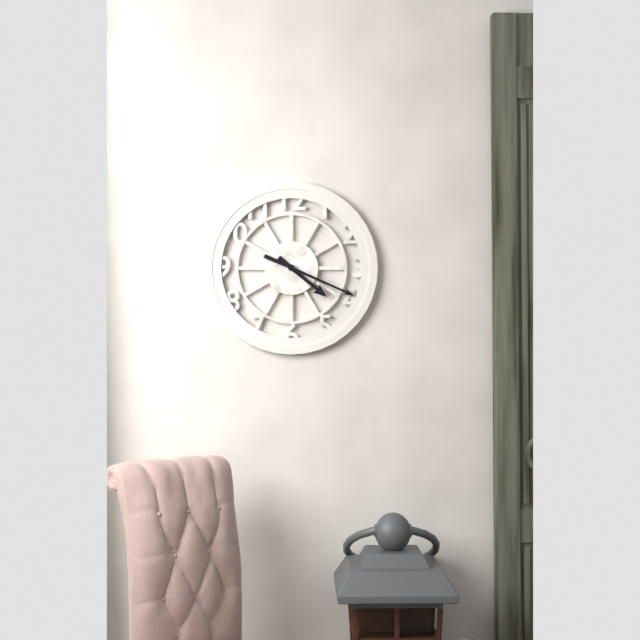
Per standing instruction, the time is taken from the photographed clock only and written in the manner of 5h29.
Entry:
4h19
